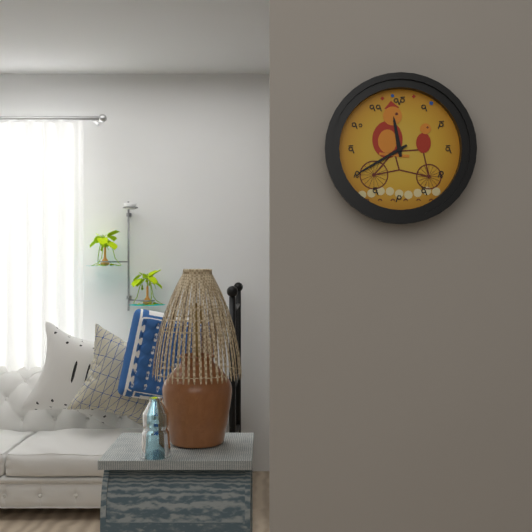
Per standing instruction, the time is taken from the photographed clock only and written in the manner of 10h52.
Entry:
11h40
